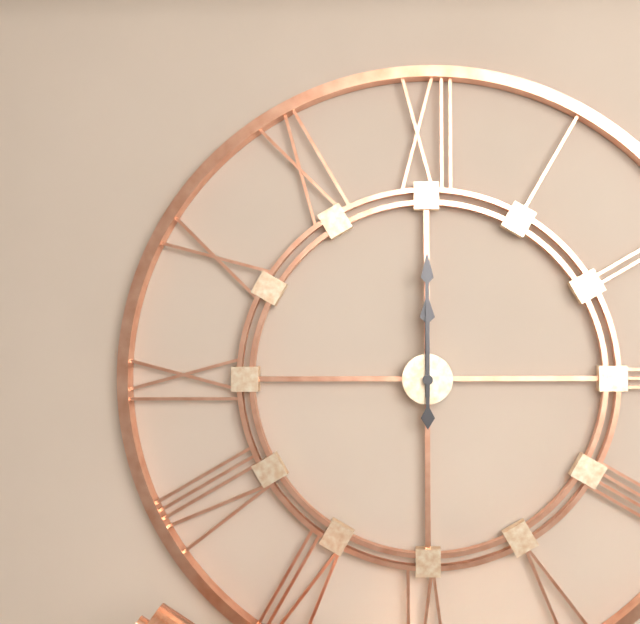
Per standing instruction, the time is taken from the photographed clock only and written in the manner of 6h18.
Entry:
12h00
